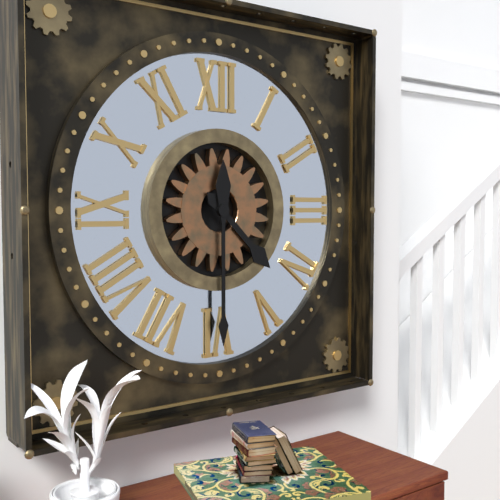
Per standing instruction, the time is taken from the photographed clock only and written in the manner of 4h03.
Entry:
4h30
